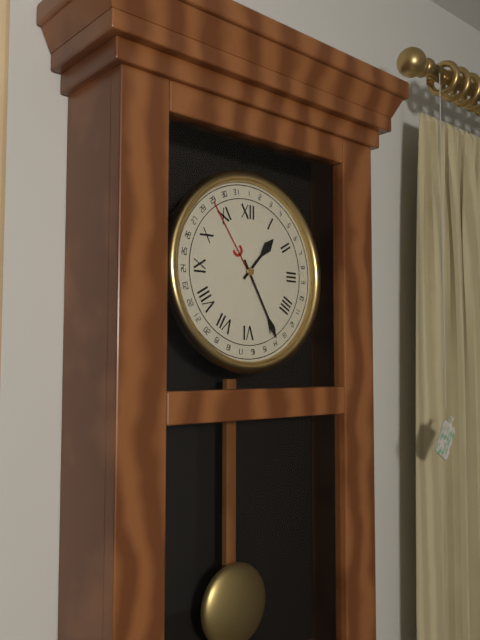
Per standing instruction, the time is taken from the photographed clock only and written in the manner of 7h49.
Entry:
1h25
